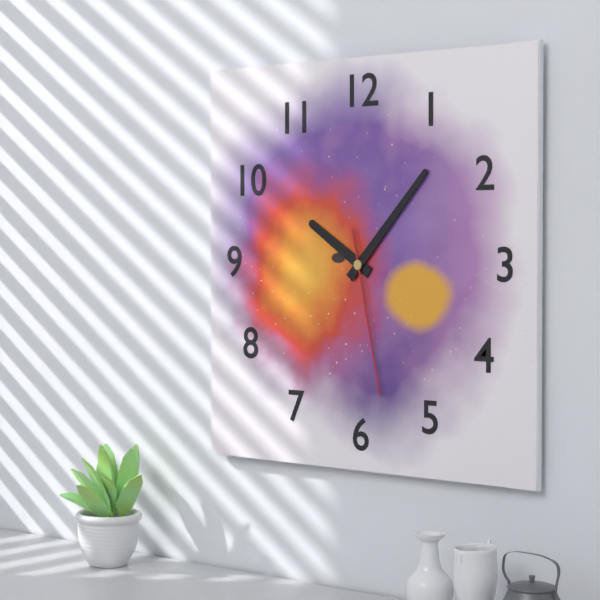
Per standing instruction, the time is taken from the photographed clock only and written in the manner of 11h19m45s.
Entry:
10h07m28s
